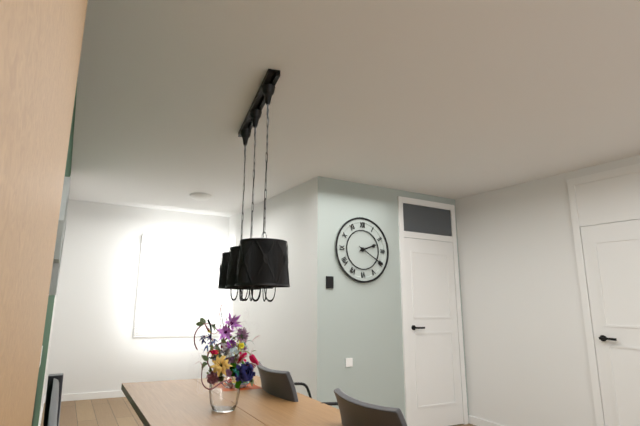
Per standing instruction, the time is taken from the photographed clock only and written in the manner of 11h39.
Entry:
2h20
